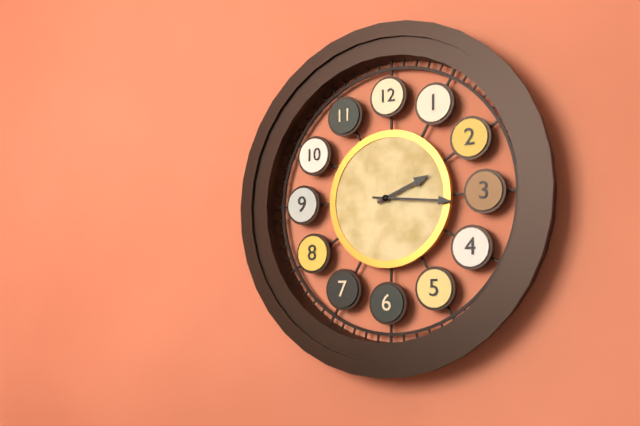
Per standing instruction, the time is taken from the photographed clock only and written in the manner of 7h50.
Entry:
2h16
